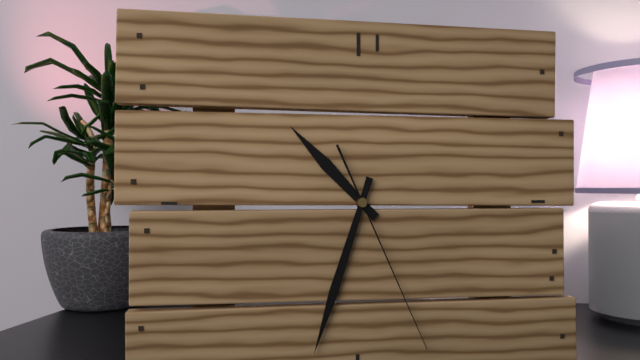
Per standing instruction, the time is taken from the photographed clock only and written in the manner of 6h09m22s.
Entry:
10h33m26s
